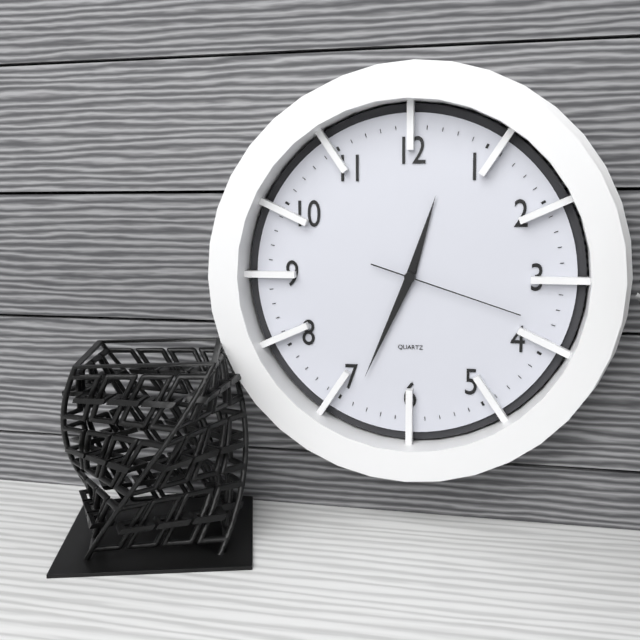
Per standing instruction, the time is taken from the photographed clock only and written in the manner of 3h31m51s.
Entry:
12h34m18s
